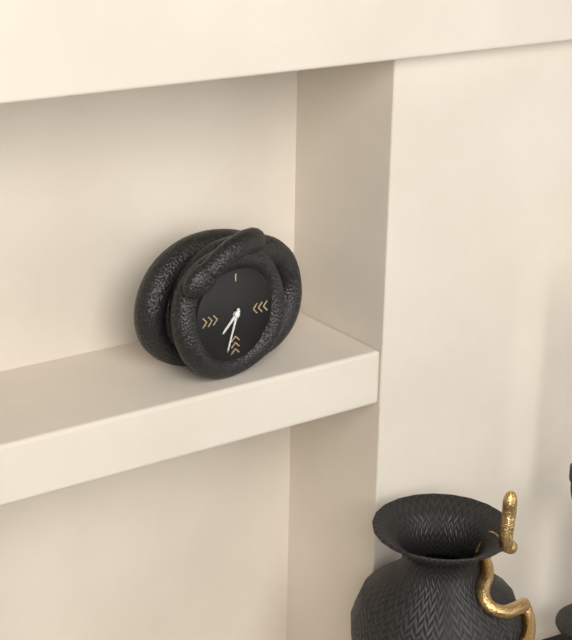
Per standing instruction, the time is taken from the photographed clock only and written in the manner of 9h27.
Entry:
7h33
